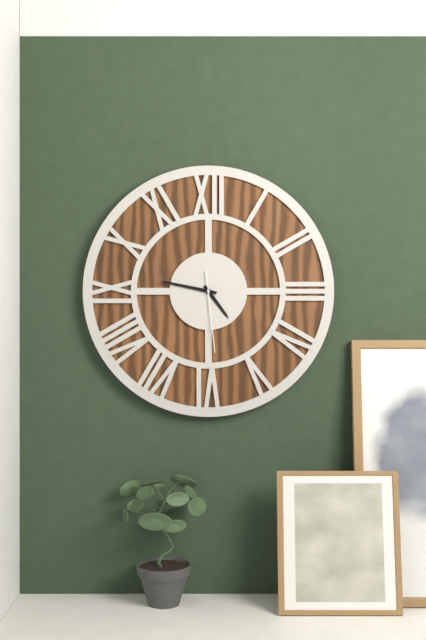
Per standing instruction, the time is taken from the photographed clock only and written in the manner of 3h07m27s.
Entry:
4h47m29s
